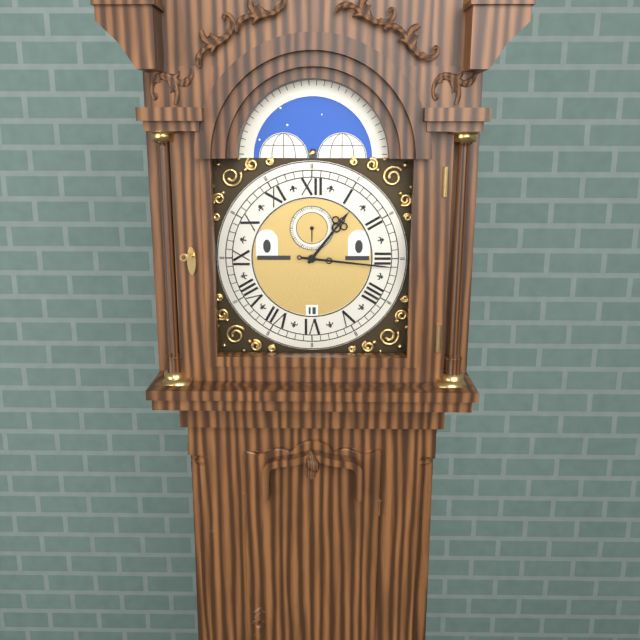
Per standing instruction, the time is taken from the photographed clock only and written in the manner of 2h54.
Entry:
1h16
